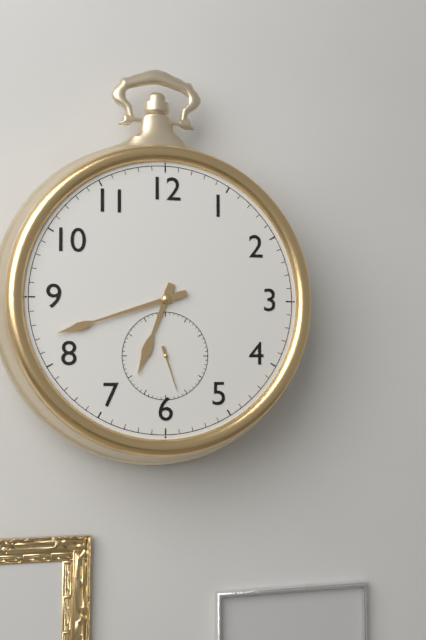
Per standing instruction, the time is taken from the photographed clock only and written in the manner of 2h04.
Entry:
6h42
